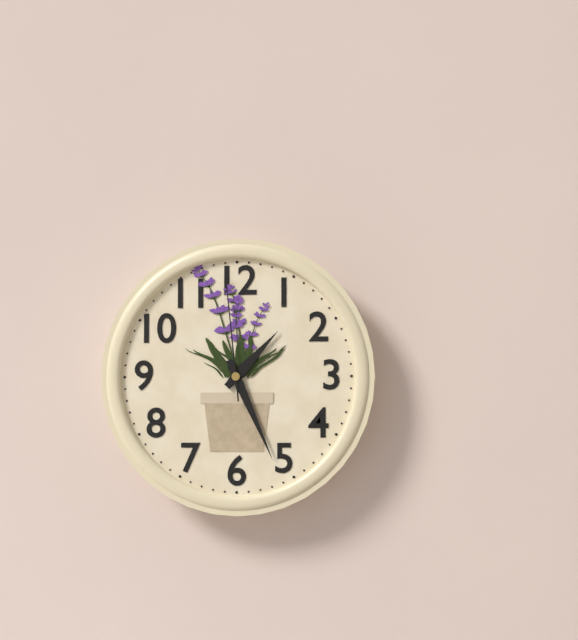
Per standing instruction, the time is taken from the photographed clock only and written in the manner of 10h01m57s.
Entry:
1h26m59s
